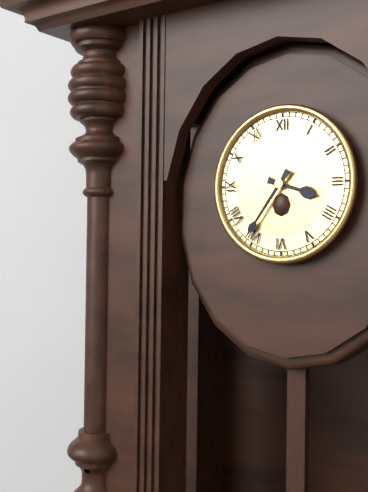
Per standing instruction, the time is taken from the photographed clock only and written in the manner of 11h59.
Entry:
3h36
